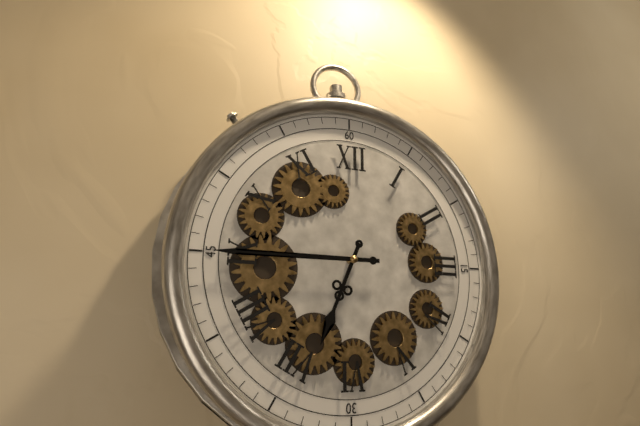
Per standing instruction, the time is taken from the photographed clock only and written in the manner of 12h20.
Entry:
6h45
